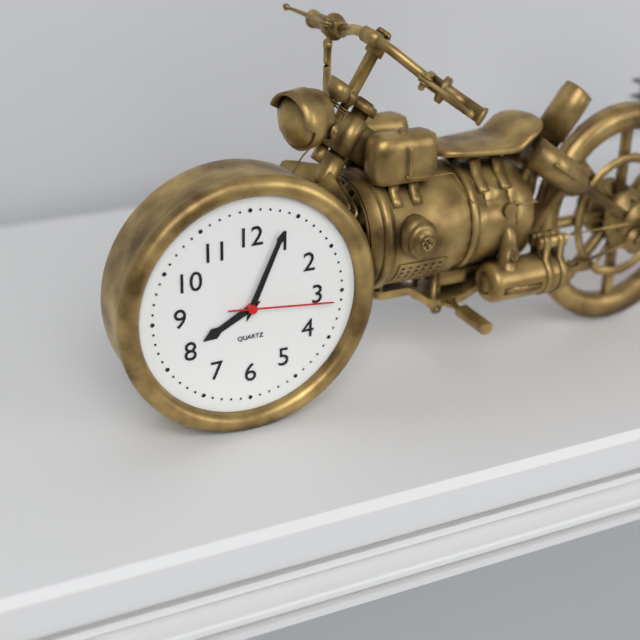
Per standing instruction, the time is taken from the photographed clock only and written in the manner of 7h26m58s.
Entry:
8h04m16s
